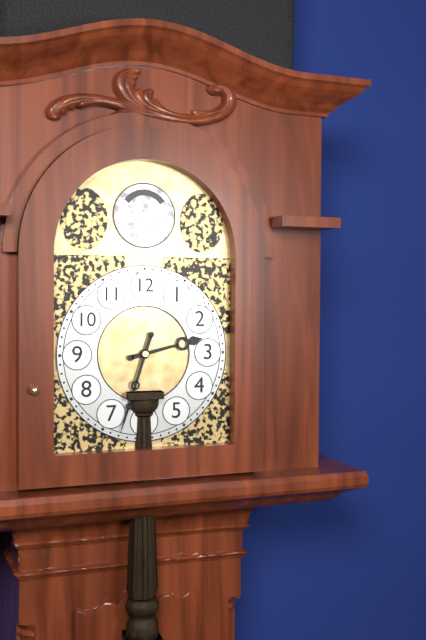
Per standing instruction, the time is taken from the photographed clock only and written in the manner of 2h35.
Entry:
2h33
